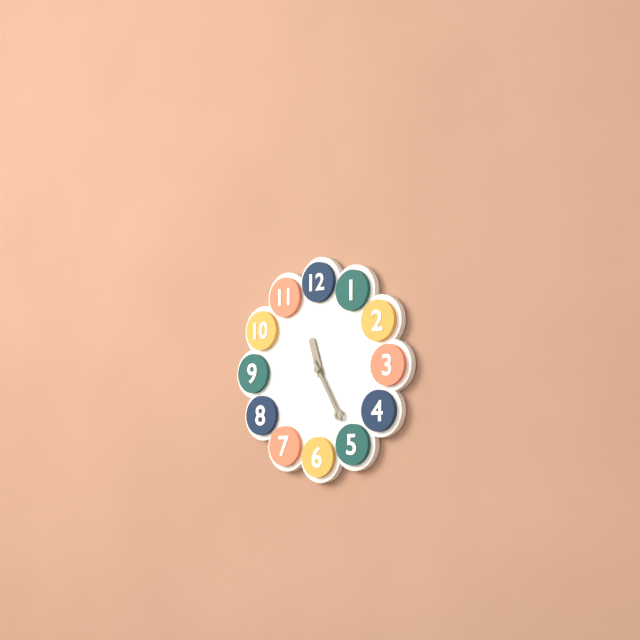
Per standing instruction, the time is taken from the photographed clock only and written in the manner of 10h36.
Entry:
11h25
